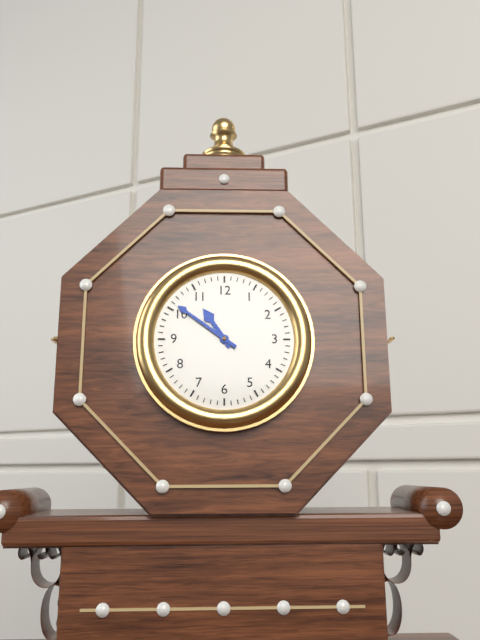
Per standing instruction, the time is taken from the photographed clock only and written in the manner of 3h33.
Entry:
10h51
